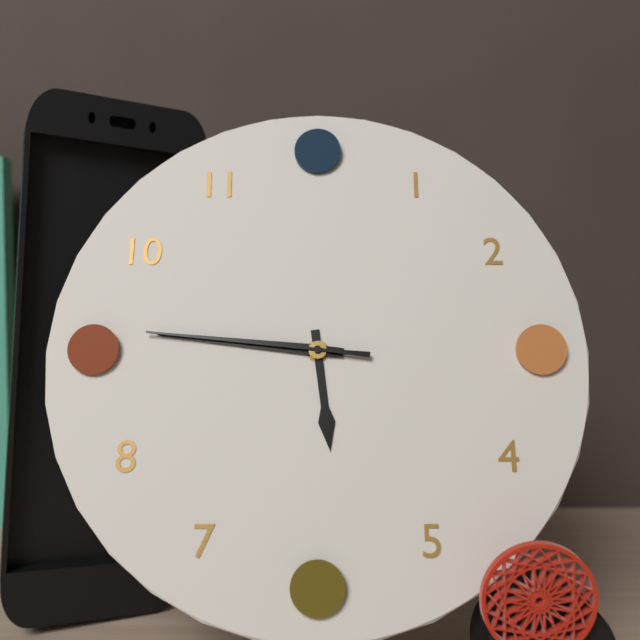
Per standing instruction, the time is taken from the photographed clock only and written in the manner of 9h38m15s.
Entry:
5h46m46s
